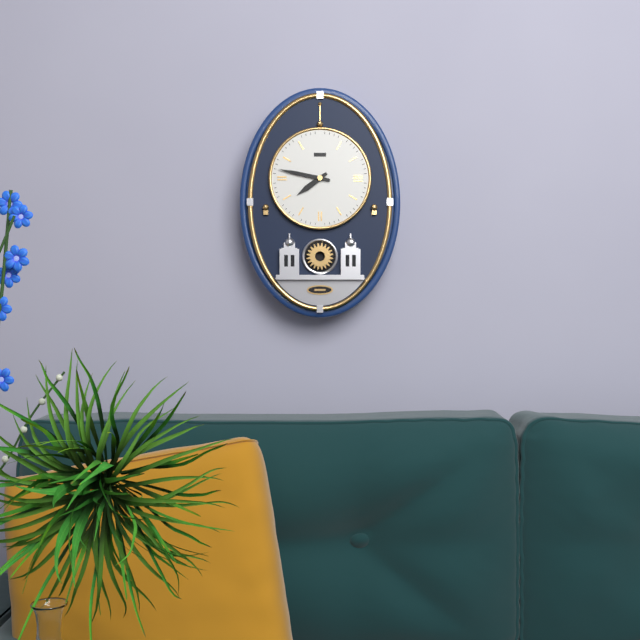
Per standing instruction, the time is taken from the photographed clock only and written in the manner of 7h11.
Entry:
7h47
